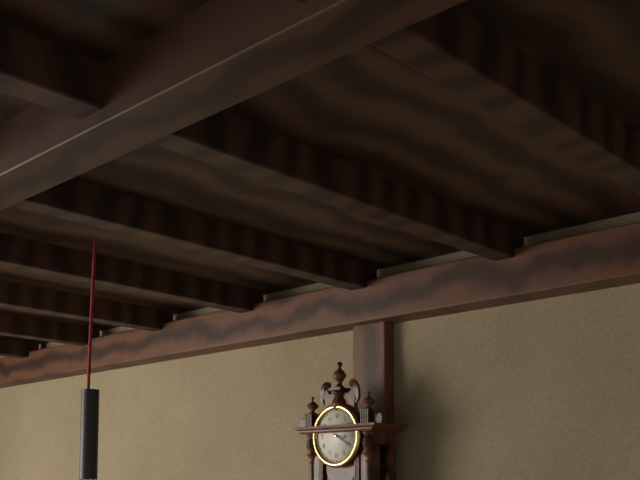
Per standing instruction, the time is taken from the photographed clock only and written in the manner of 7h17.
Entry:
3h20
